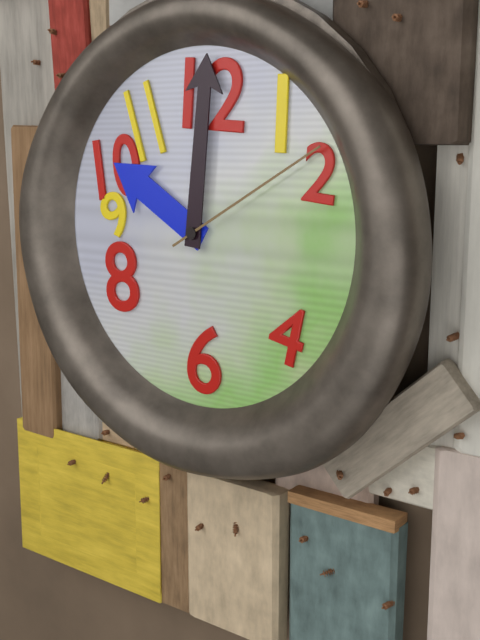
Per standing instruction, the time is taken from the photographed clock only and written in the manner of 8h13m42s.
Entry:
10h01m10s
